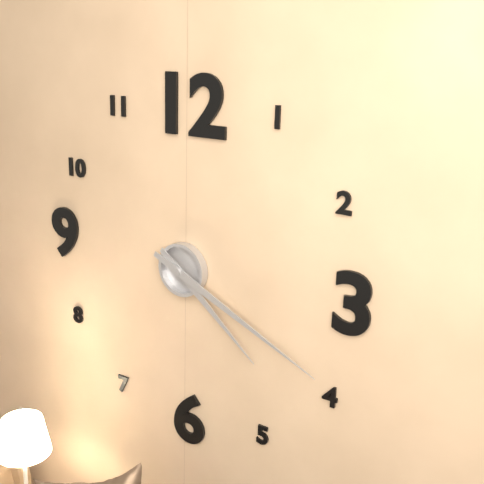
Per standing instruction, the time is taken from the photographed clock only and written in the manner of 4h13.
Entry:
4h19
